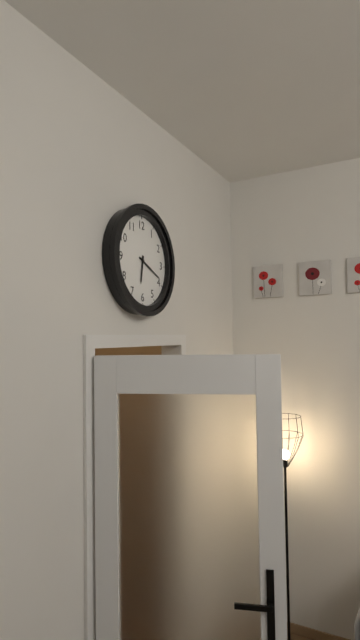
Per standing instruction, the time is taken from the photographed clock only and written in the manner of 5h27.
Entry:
6h19
